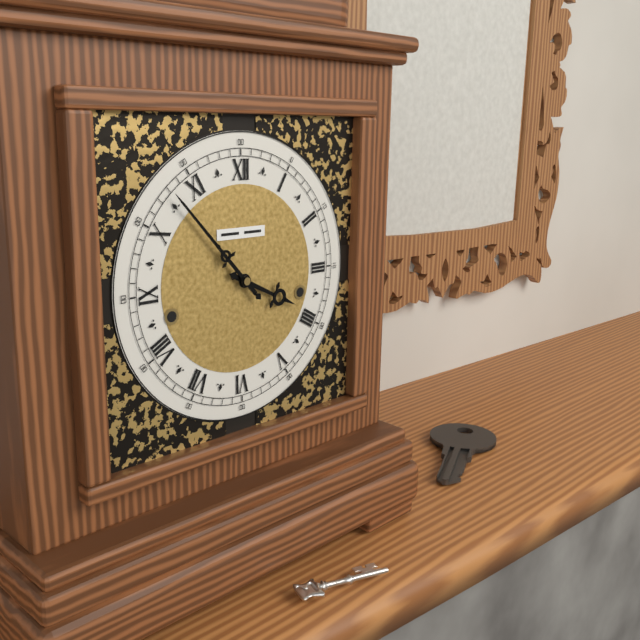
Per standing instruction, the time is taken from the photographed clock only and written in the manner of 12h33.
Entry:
3h53
